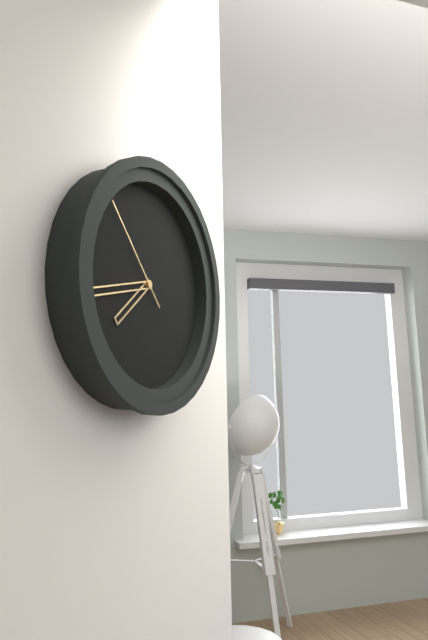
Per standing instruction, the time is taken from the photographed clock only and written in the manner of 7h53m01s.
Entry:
7h43m53s
